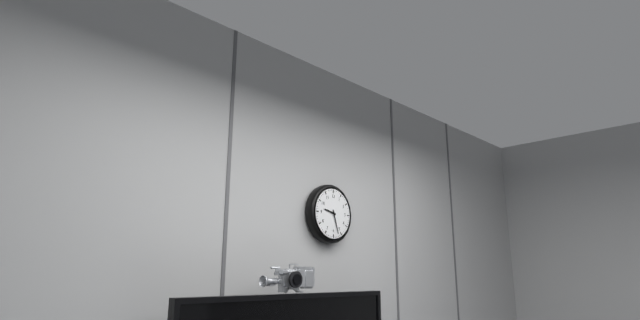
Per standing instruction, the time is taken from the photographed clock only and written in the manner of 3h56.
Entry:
9h27
